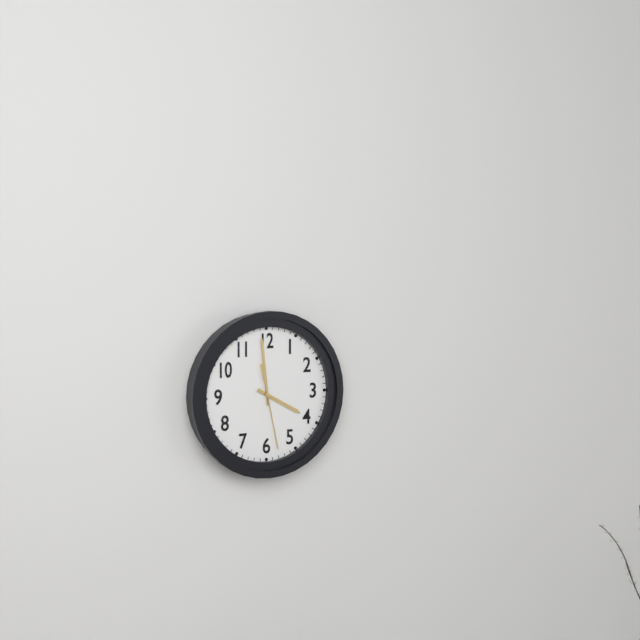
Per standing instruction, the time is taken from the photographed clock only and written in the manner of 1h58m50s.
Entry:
3h59m28s
